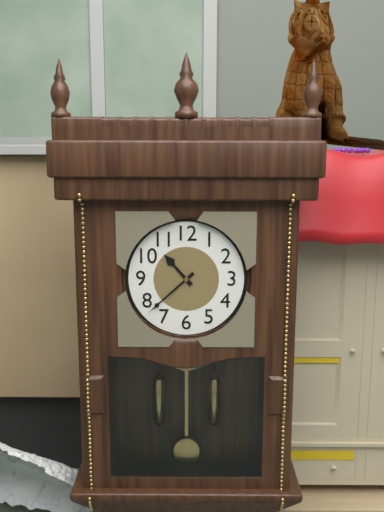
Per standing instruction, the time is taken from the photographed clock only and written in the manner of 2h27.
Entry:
10h38
